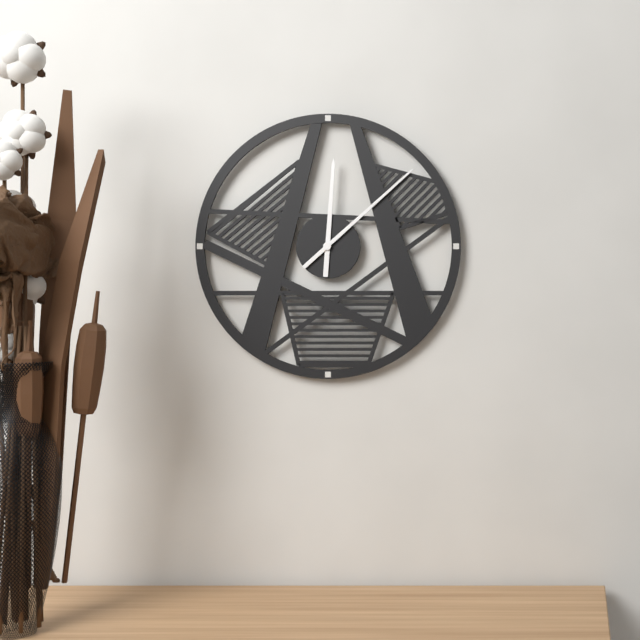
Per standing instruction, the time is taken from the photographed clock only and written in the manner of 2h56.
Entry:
12h08
